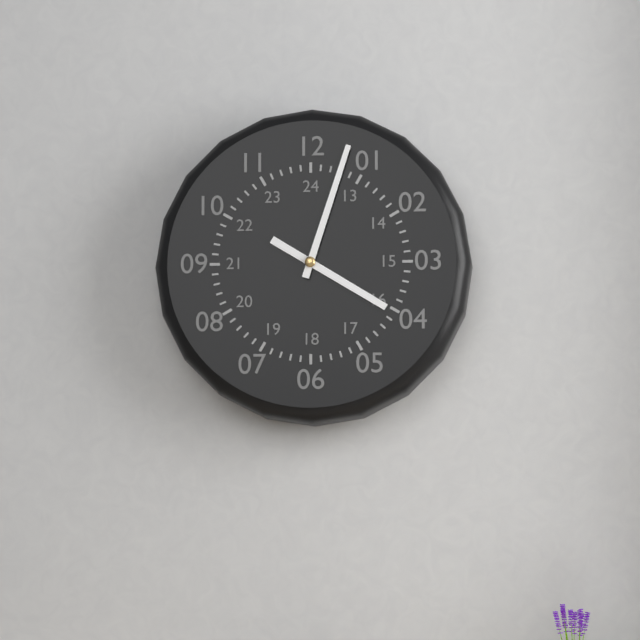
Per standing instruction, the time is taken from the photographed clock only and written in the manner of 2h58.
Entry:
4h03
